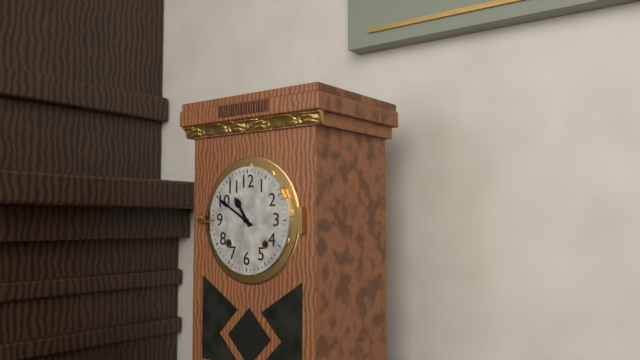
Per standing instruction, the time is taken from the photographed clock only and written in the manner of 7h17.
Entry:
10h50
